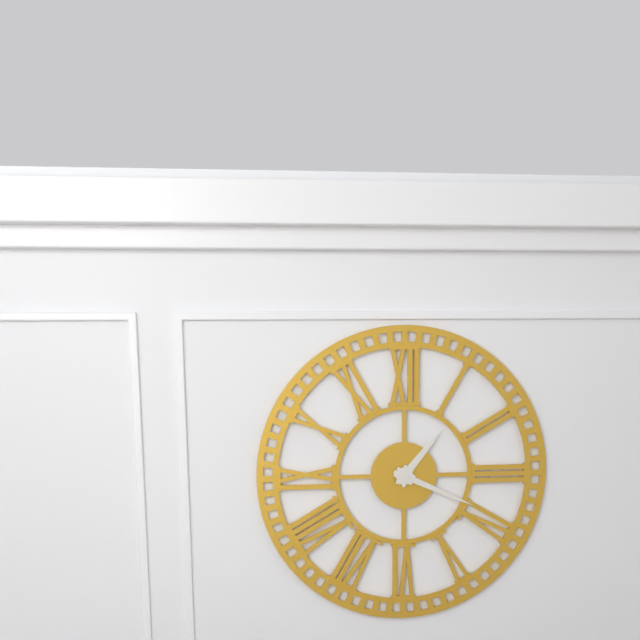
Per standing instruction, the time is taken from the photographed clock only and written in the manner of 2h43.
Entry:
1h19
